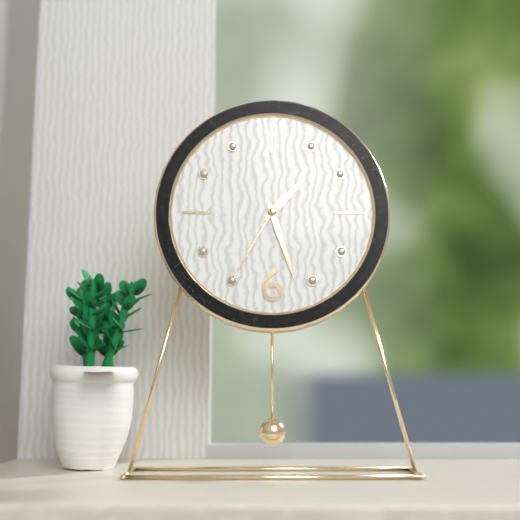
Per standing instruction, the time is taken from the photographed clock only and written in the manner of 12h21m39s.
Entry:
1h27m35s
